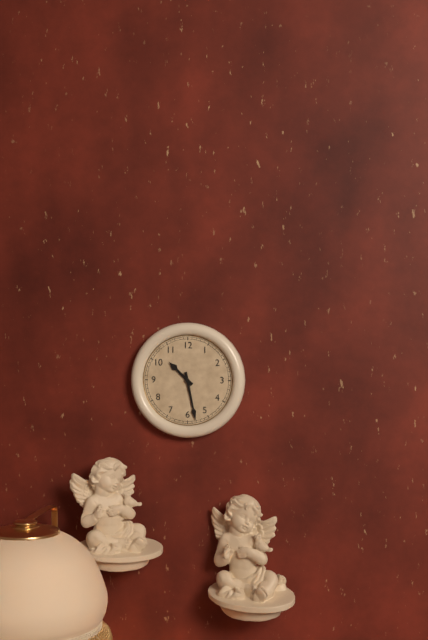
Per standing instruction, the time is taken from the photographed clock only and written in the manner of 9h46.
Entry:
10h28
